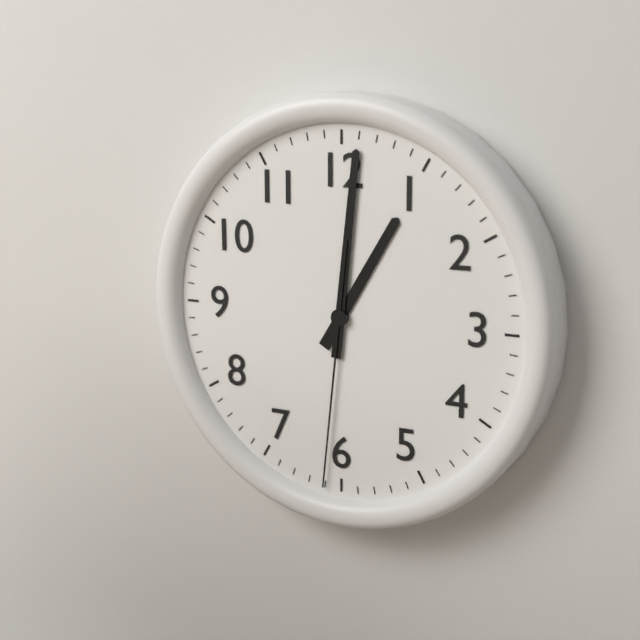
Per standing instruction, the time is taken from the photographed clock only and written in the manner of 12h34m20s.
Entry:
1h01m31s
